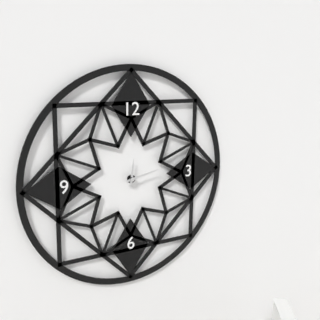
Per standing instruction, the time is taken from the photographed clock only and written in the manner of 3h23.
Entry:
12h13
